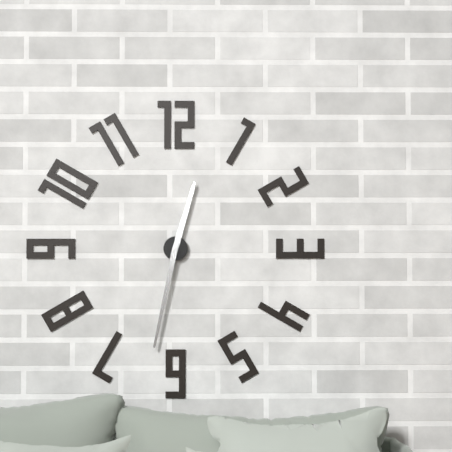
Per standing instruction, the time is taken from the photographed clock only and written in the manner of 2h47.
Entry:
12h32
